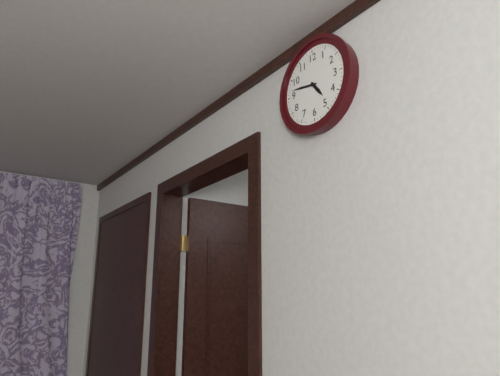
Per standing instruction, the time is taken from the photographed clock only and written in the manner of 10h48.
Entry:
4h47
